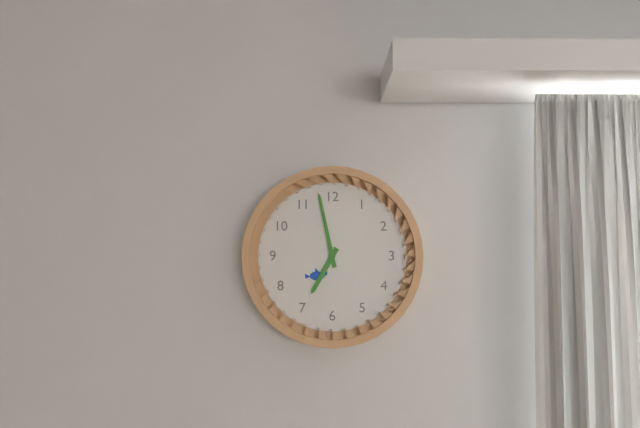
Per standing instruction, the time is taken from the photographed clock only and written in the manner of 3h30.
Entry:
6h58
